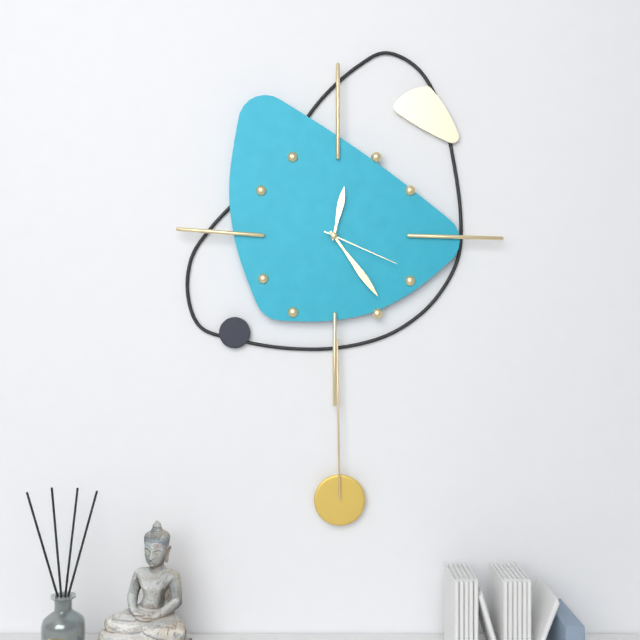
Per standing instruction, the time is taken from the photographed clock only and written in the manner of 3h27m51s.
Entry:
12h24m19s
